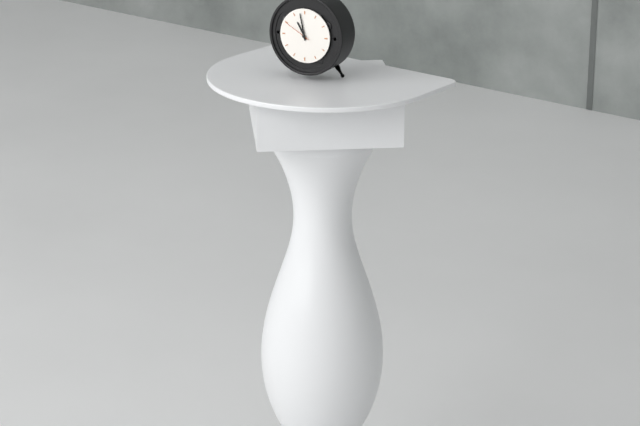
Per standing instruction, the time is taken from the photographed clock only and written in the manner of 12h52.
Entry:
10h58
